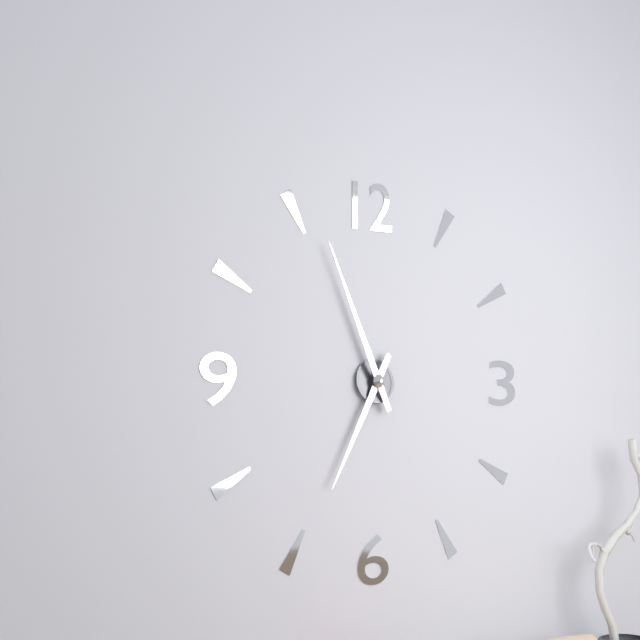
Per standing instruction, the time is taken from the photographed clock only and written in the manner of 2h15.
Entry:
6h56
